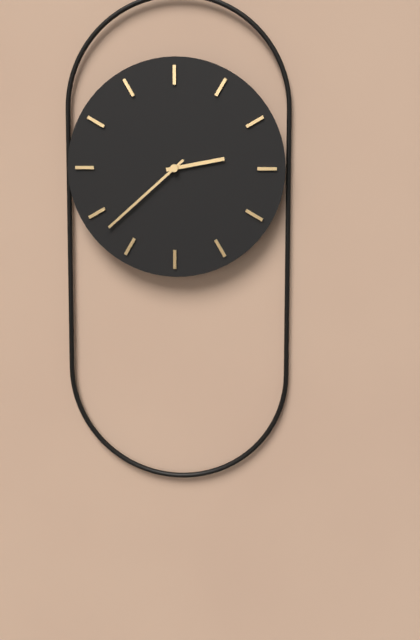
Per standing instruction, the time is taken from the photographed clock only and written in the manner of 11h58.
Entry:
2h38
